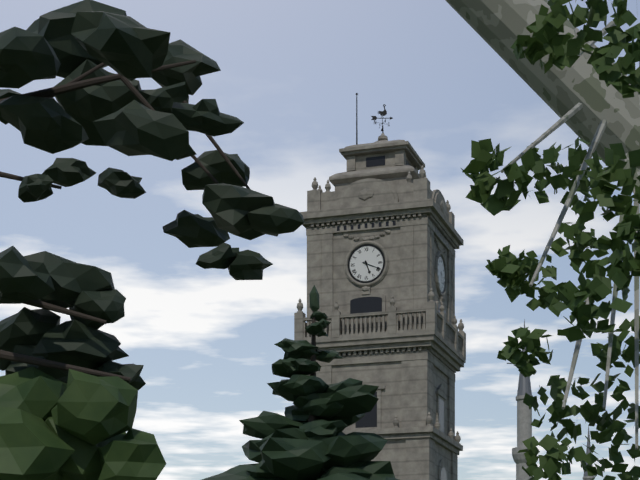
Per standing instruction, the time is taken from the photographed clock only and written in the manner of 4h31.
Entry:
5h19
